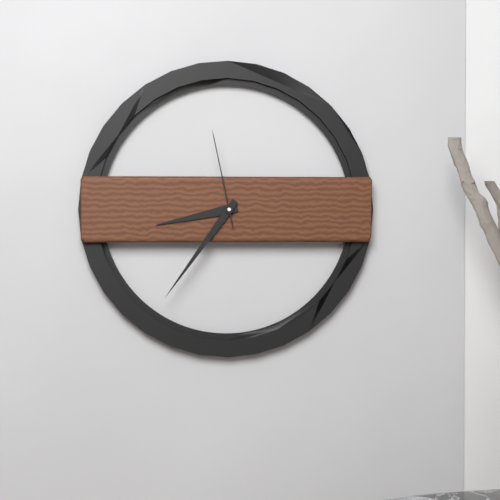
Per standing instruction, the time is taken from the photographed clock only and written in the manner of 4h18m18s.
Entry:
8h36m58s
